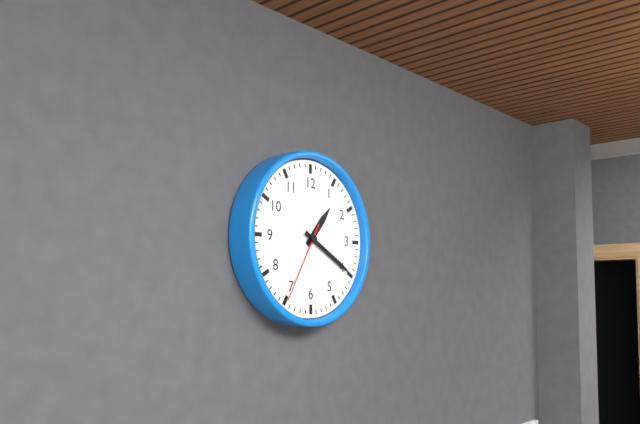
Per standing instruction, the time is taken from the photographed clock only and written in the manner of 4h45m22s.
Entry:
1h20m35s
